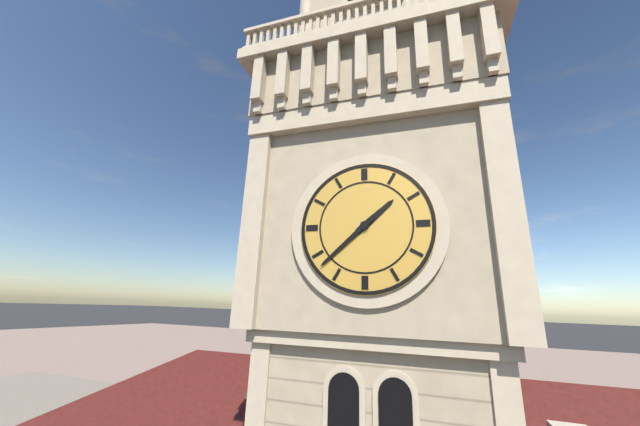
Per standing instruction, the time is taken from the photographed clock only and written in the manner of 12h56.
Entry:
1h38
